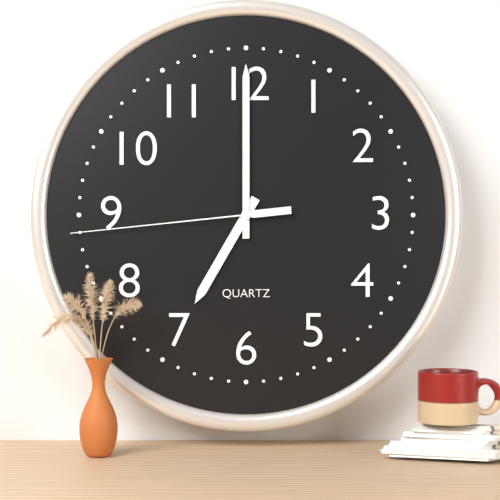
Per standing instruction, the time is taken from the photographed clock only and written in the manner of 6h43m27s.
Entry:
7h00m44s
